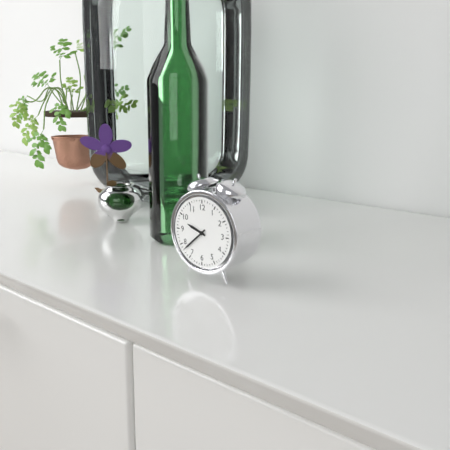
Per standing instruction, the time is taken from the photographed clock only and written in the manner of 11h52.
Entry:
9h38
